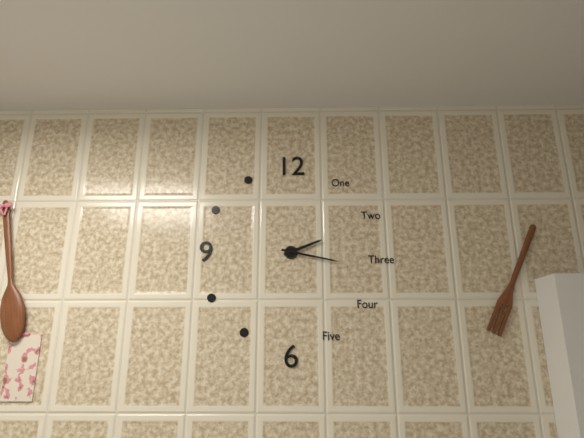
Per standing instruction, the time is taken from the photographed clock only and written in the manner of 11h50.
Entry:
2h17
